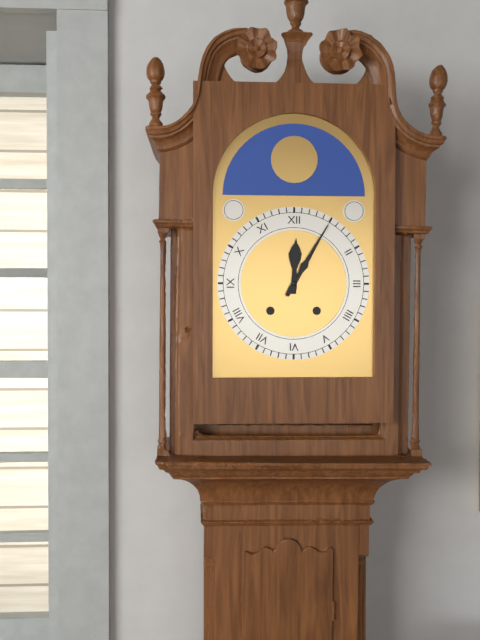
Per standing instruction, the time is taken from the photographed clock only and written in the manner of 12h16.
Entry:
12h05
